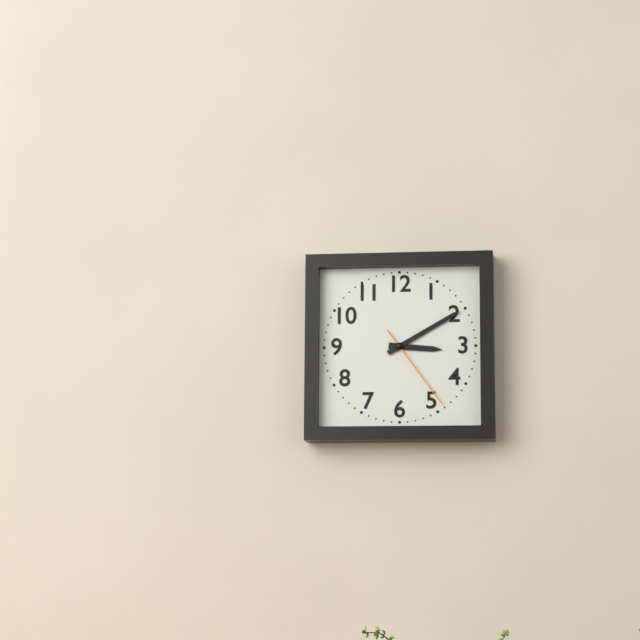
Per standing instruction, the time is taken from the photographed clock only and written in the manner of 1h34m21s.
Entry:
3h10m24s
